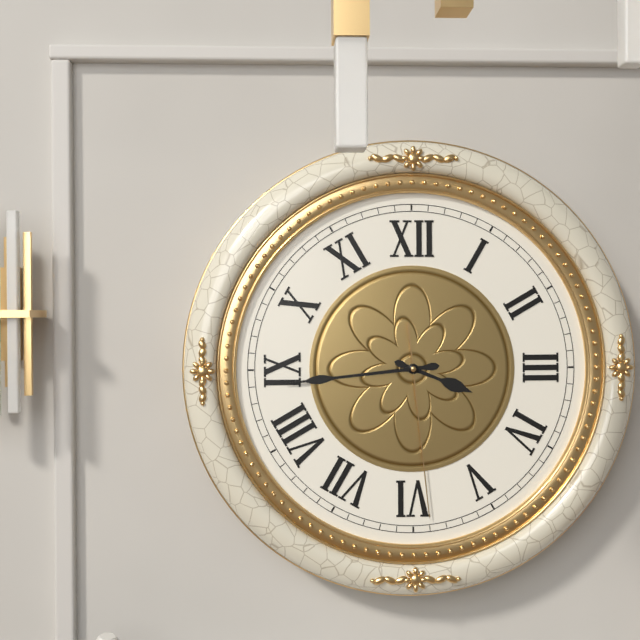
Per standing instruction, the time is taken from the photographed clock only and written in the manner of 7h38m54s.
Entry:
3h44m29s
